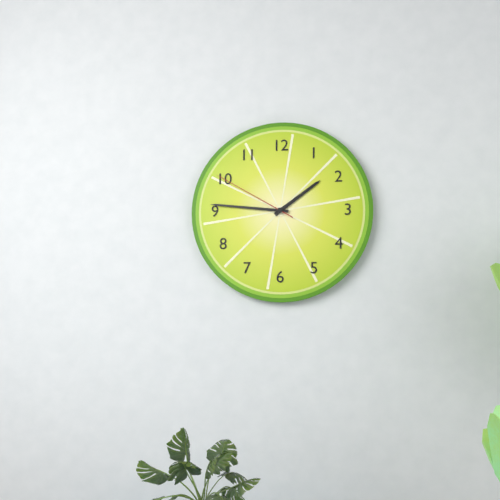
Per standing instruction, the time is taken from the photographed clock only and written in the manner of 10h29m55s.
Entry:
1h46m50s
